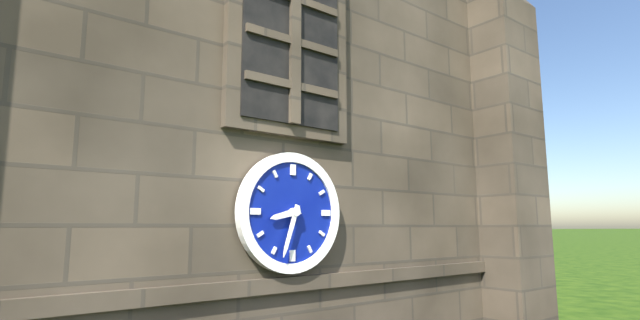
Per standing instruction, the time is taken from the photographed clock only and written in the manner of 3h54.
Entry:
8h33
